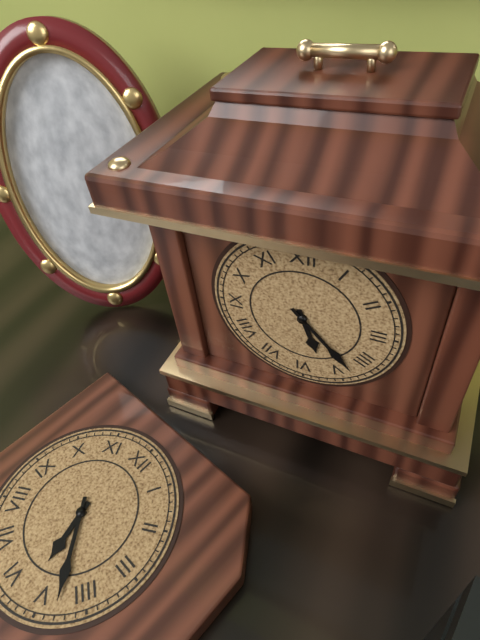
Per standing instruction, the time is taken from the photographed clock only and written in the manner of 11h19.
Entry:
5h23
